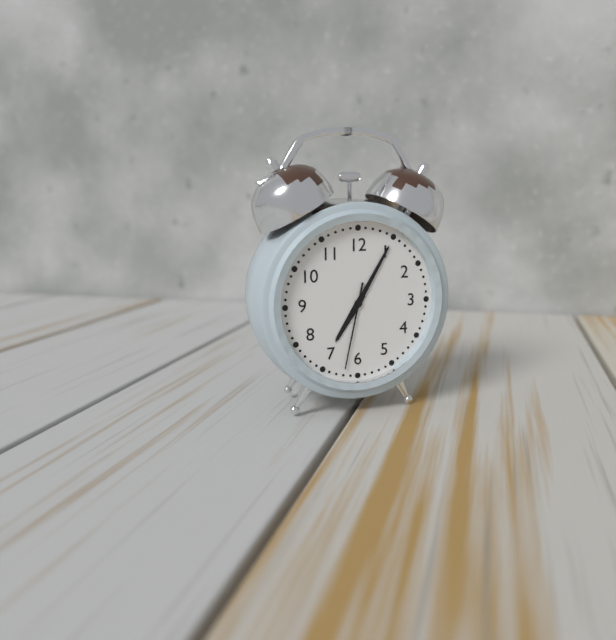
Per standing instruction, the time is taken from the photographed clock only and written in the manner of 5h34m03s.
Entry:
7h05m32s
